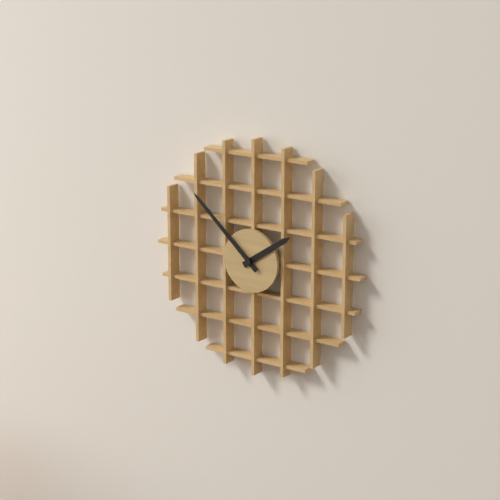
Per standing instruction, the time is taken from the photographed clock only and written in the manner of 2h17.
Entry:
1h52
